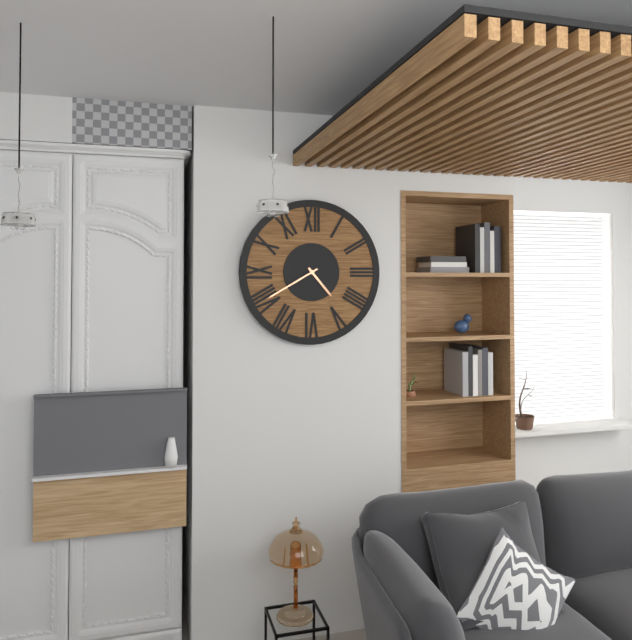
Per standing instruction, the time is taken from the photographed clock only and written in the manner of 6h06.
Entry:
4h40
